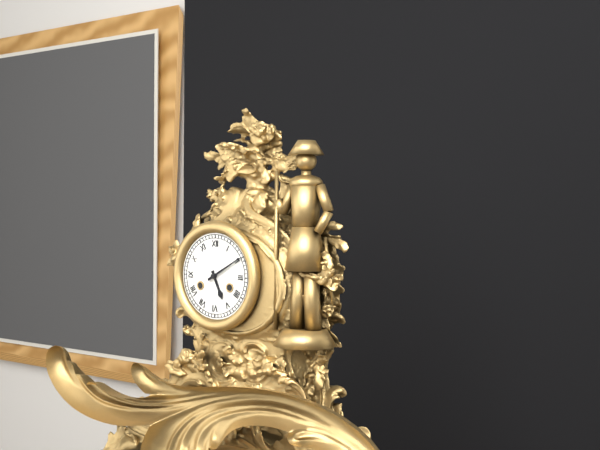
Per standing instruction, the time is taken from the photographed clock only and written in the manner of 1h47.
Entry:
5h10
